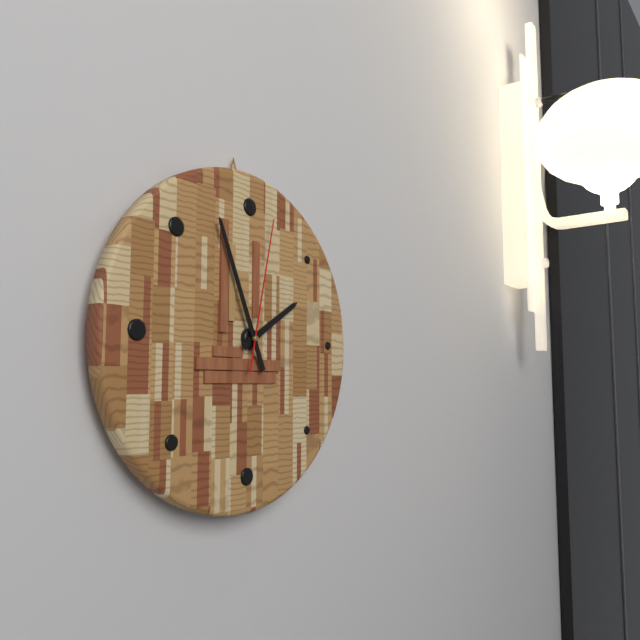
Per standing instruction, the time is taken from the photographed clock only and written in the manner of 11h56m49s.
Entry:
1h56m02s
